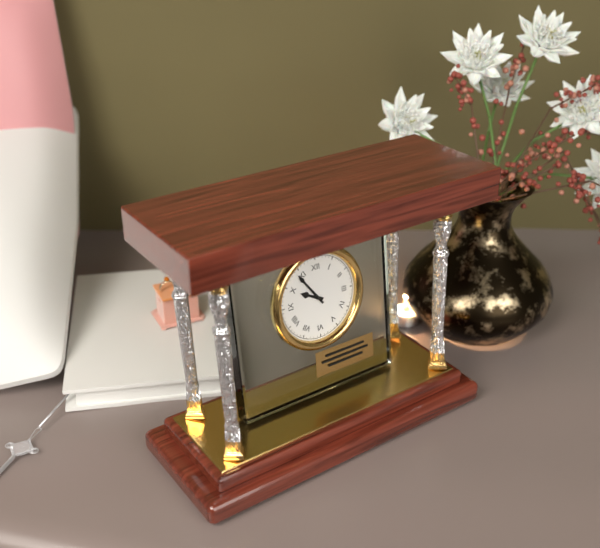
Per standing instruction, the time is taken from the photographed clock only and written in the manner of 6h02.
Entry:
9h54
